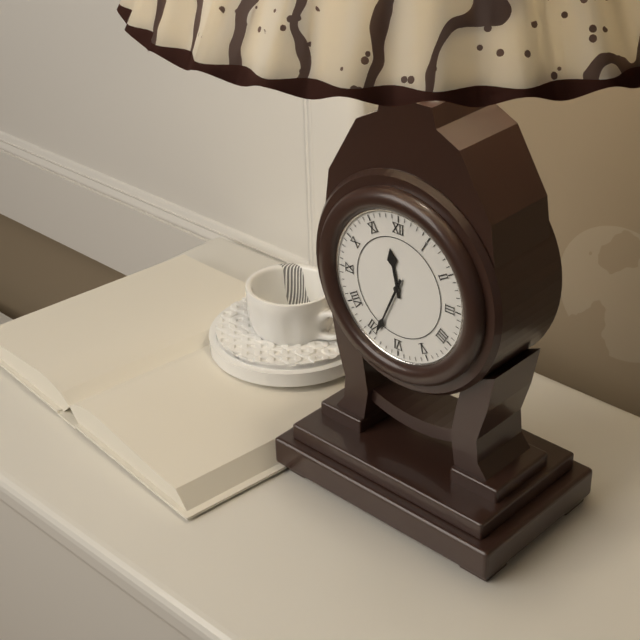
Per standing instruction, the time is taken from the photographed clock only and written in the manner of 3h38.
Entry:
11h34
